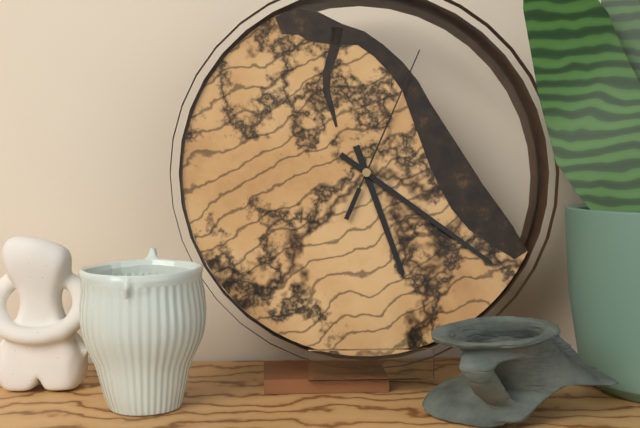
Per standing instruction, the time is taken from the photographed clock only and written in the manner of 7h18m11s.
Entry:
5h21m04s
